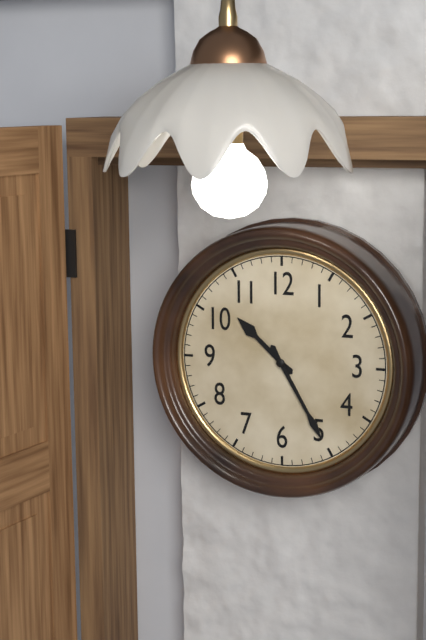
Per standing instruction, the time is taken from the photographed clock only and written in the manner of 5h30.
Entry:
10h25
